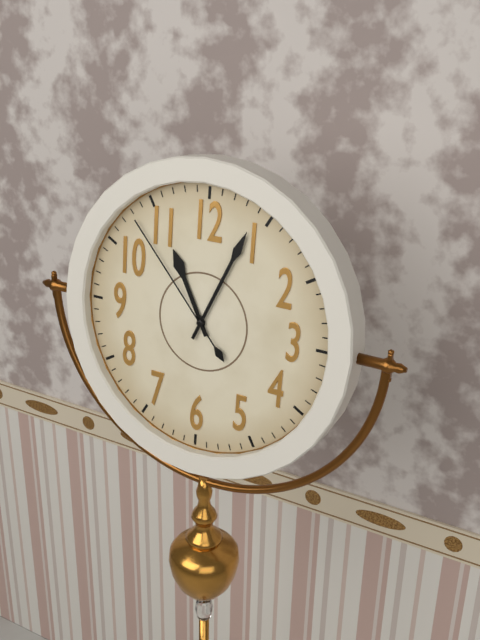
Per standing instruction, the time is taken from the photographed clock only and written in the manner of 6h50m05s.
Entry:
11h04m53s
